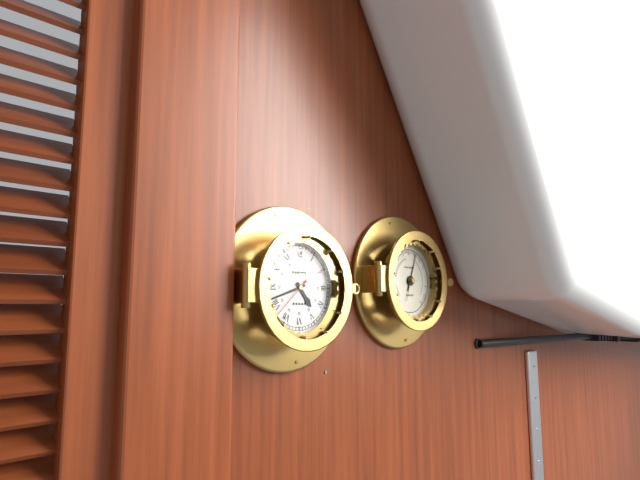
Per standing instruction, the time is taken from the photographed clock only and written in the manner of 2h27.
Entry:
4h42
